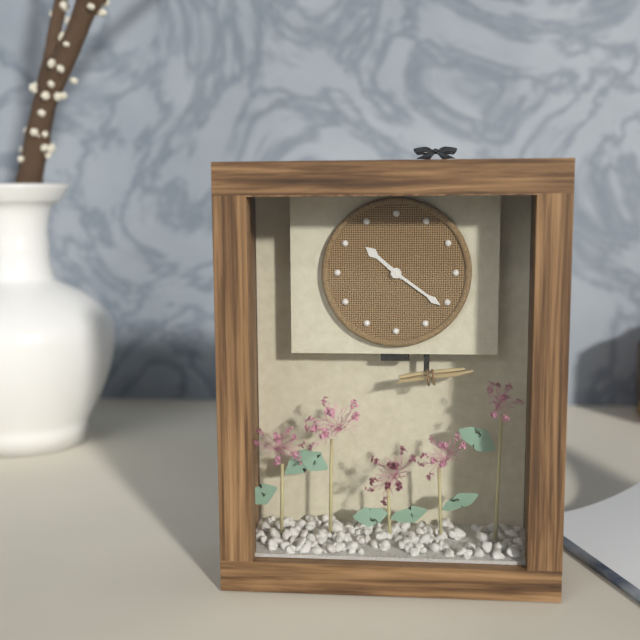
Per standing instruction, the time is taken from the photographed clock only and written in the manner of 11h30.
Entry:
10h21
